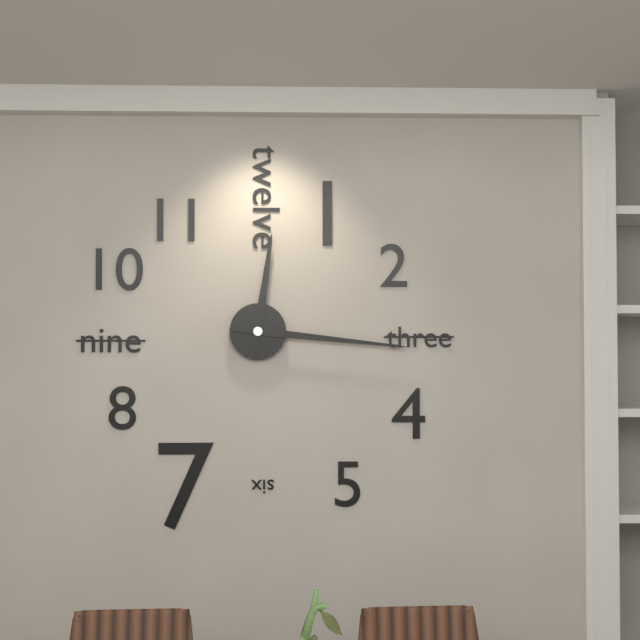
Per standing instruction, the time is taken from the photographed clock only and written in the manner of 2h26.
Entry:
12h16
